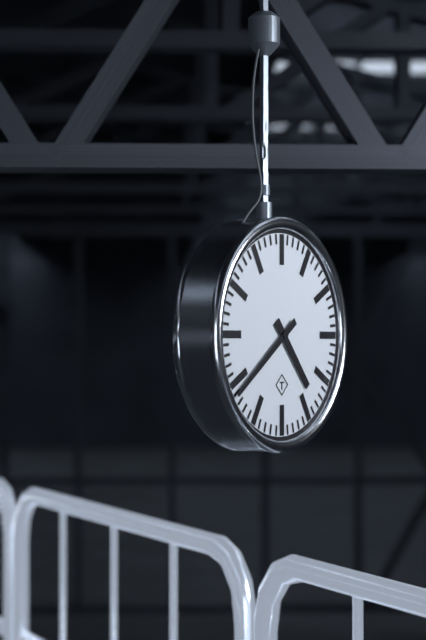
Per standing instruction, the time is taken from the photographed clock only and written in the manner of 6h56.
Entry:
4h39
